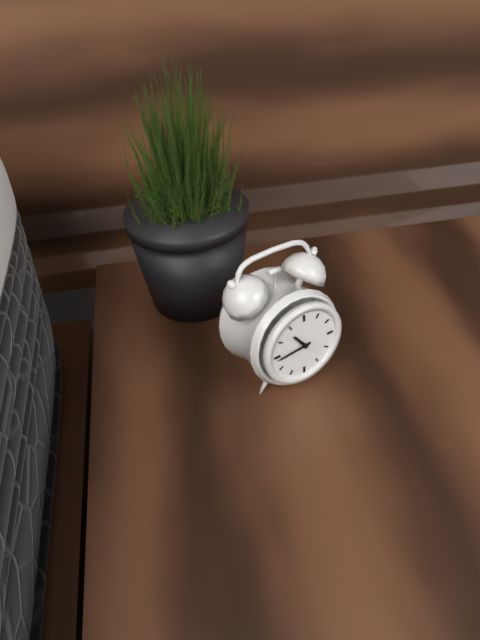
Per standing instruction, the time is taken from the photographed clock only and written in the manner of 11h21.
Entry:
10h44
